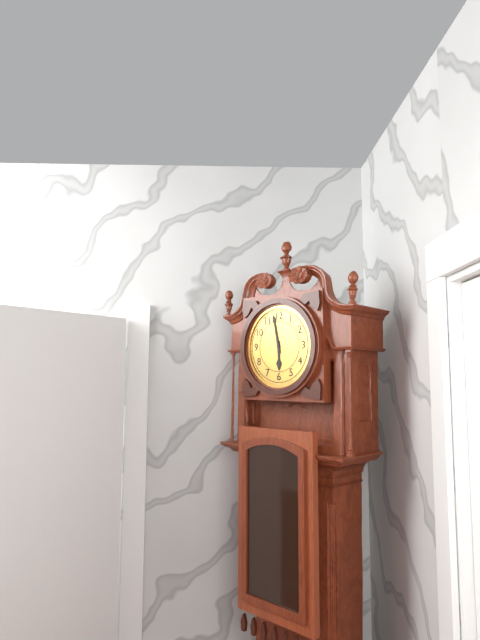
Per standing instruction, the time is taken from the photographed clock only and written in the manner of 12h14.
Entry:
5h58
